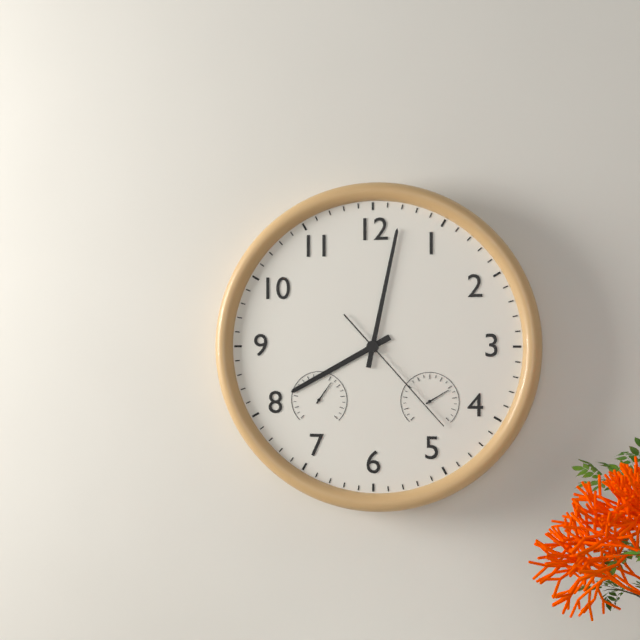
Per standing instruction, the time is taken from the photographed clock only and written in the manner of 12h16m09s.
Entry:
8h02m23s
